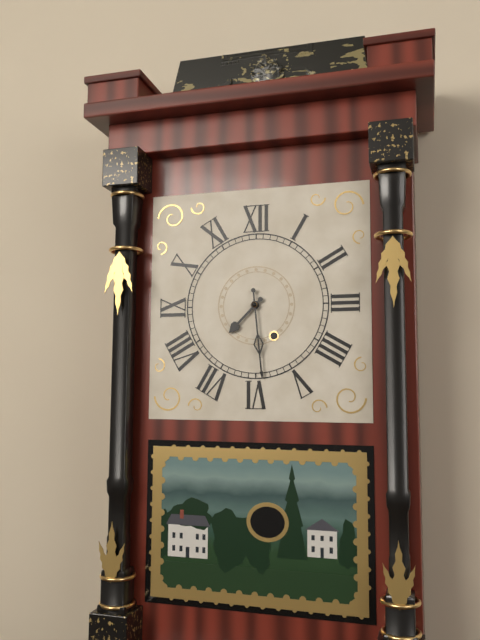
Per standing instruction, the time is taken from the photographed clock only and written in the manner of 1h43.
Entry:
7h29
